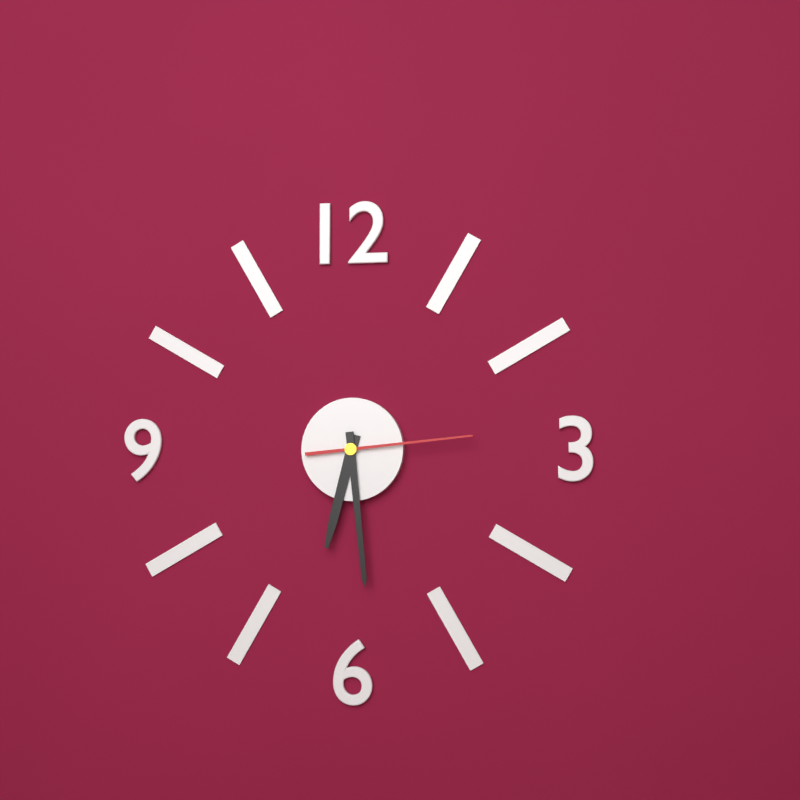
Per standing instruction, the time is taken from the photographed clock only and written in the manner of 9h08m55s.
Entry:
6h29m14s
